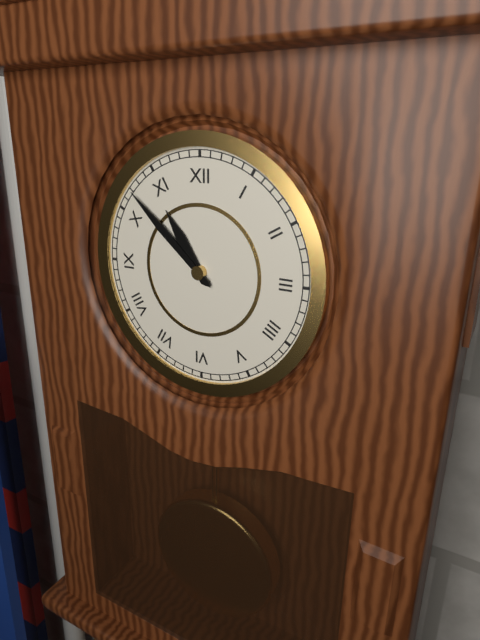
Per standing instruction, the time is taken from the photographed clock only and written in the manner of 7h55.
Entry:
10h52
